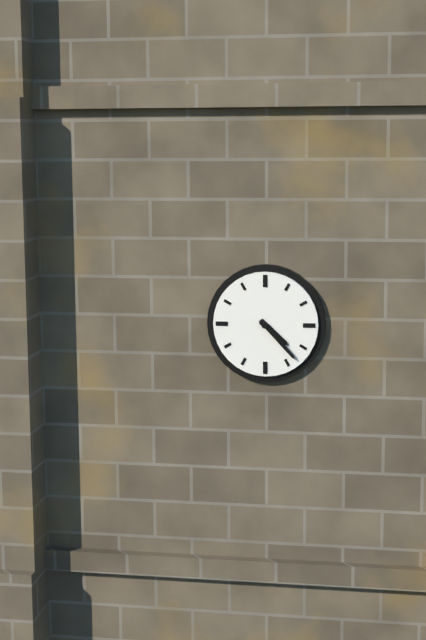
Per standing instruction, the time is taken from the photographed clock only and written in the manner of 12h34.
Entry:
4h23
